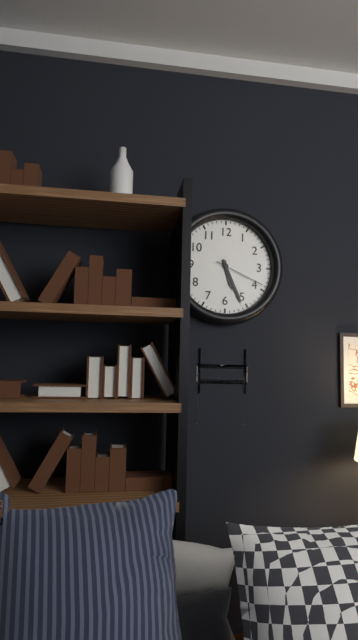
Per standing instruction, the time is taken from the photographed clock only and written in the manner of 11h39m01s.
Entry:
5h26m19s
